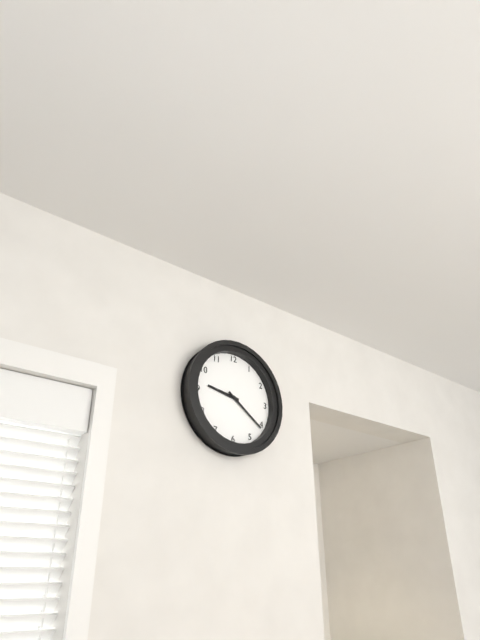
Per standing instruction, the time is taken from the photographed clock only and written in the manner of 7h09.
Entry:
9h21
